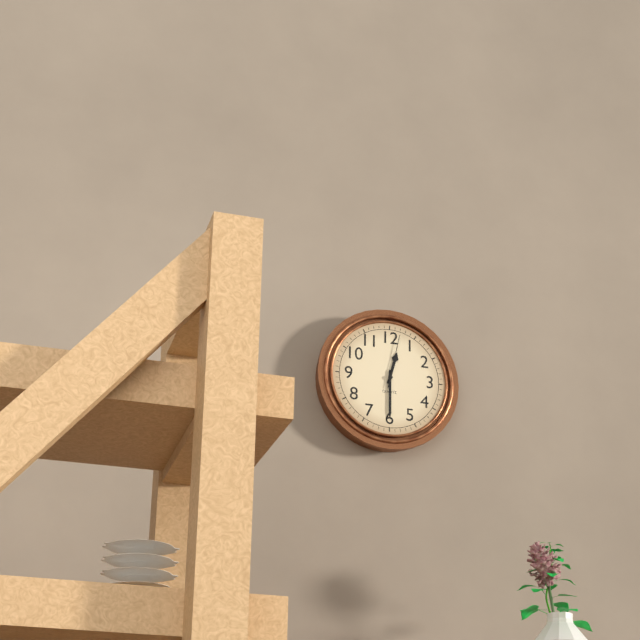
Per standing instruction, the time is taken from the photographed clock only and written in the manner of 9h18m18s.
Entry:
12h30m02s
